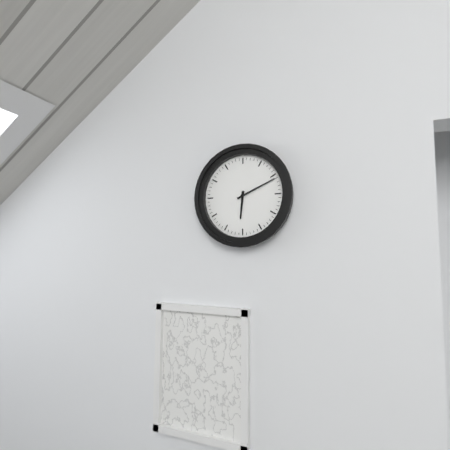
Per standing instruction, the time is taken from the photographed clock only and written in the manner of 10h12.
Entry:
6h11
